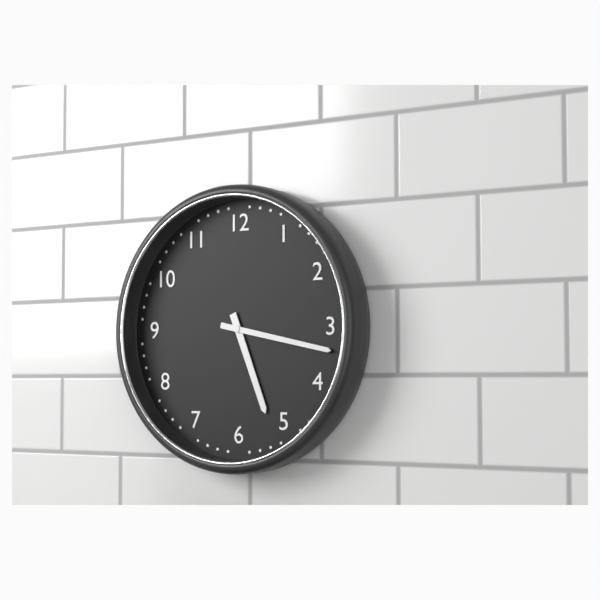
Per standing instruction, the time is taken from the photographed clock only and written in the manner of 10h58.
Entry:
5h17
